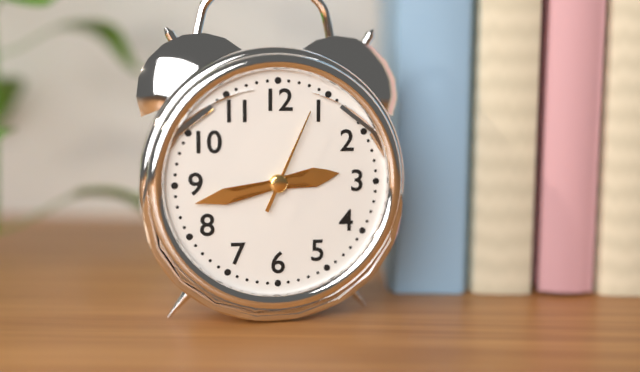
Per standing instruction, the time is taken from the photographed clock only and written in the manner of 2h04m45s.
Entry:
2h43m04s
